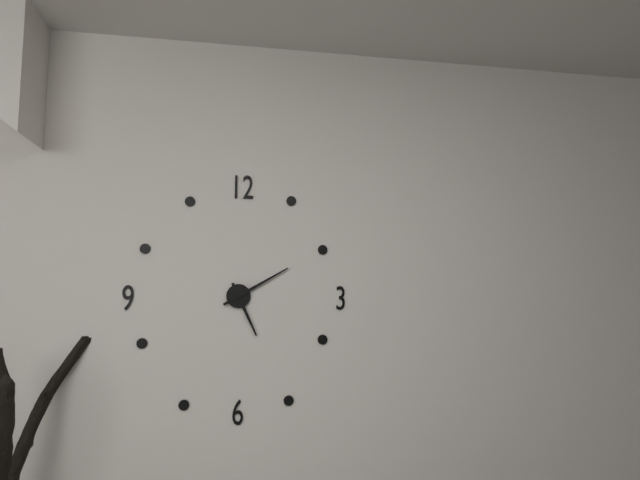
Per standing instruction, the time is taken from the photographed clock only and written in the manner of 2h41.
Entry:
5h10
